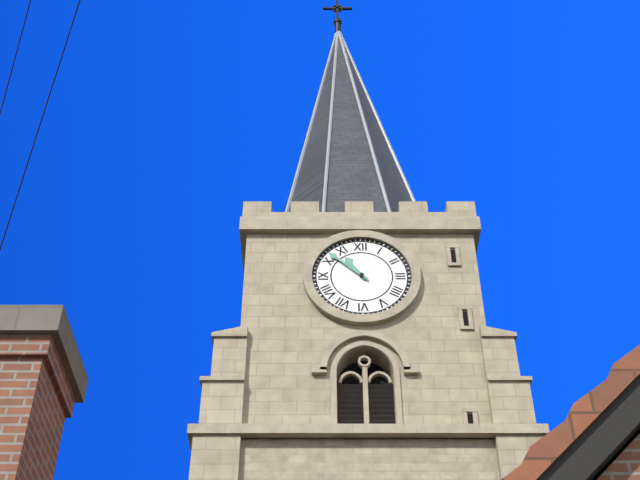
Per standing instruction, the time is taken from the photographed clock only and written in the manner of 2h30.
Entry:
10h52
